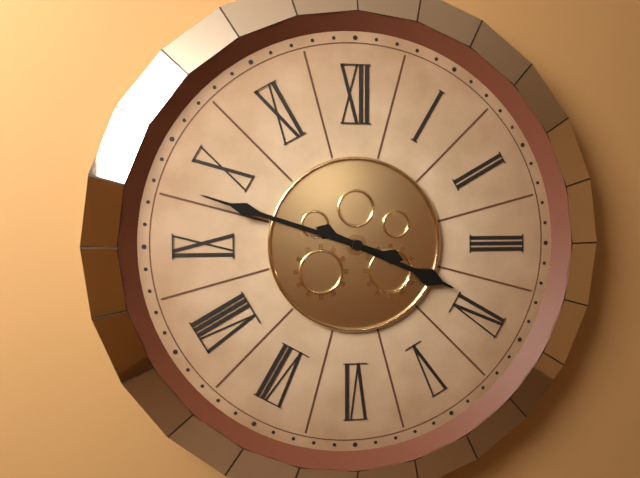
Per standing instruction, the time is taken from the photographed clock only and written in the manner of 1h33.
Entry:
3h48
